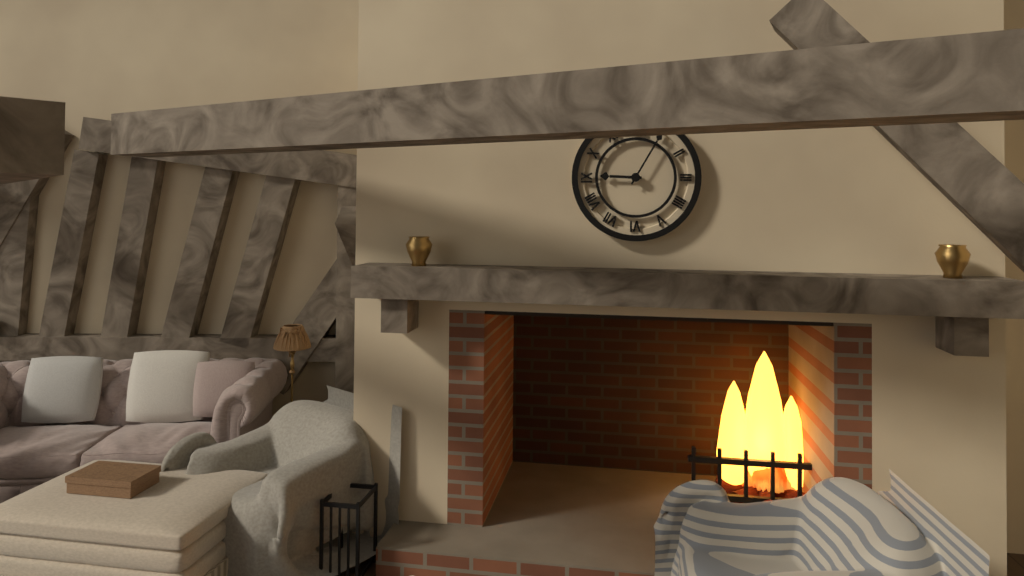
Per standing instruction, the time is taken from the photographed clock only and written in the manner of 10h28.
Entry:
9h05
